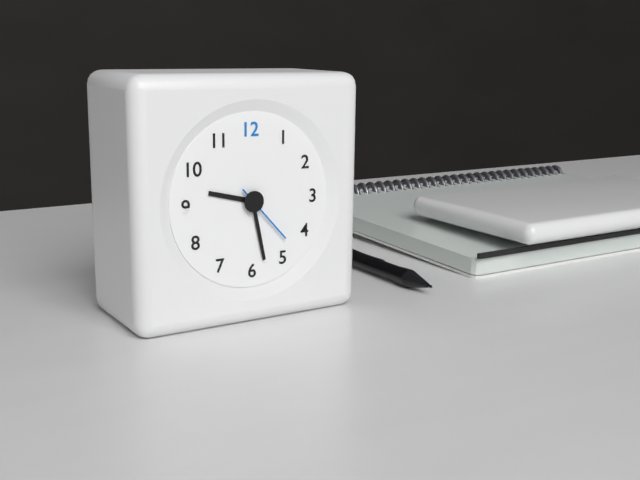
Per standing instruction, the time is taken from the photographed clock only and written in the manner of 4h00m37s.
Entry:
9h28m23s
